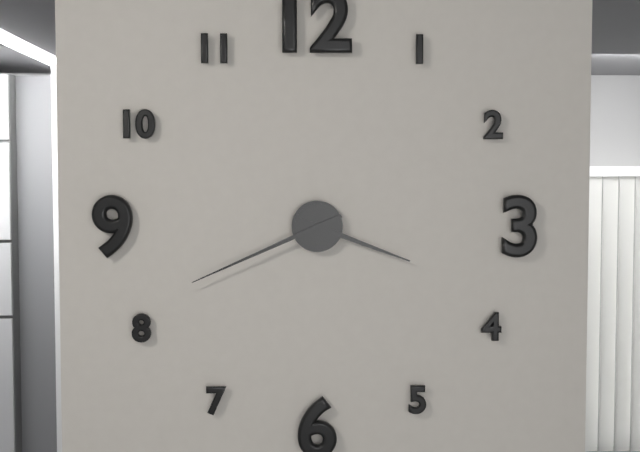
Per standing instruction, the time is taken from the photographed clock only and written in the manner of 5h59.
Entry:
3h41
